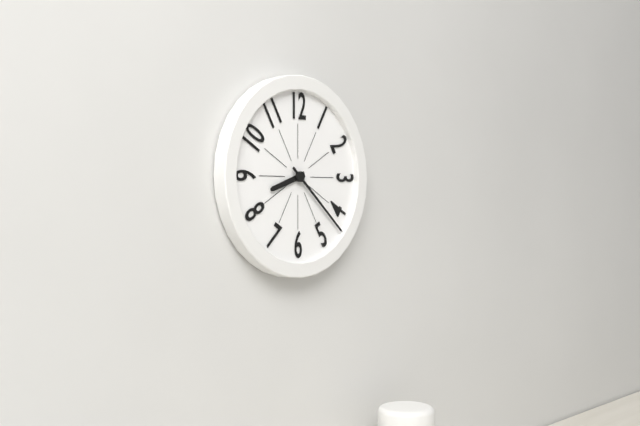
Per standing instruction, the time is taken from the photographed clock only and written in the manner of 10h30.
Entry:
8h22
